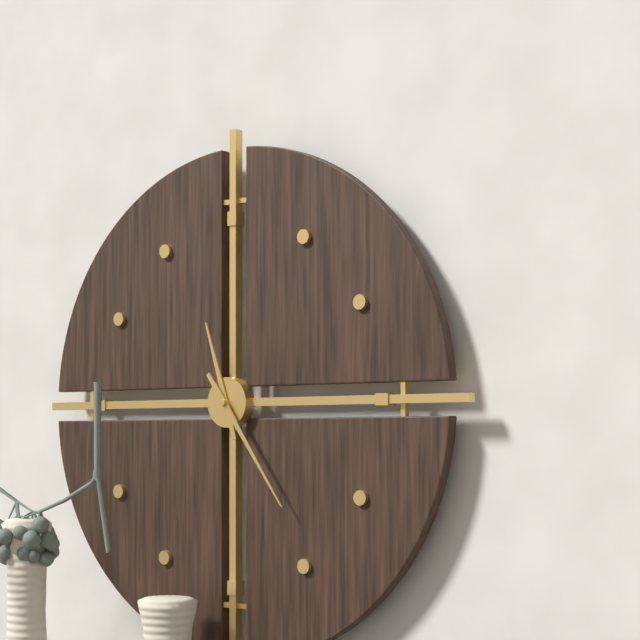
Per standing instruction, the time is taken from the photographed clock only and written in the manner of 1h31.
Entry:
11h24
